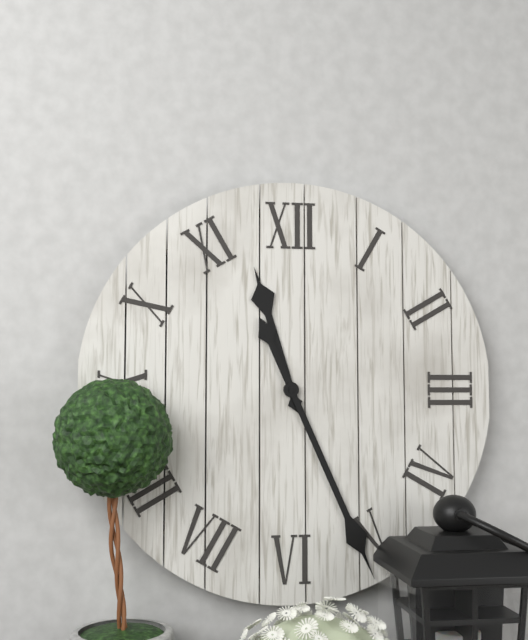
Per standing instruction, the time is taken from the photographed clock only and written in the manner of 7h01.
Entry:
11h26
